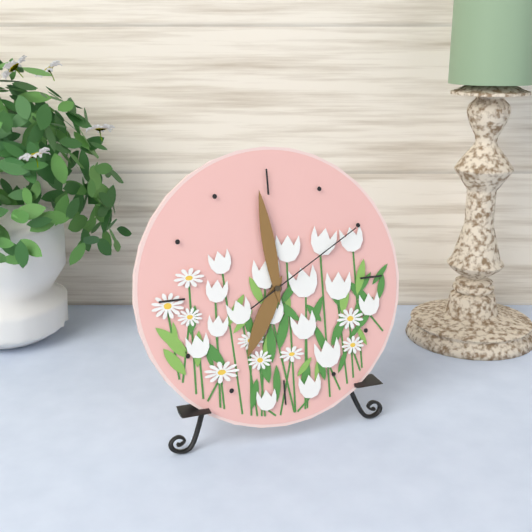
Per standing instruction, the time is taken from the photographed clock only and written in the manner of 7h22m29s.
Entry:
6h59m10s
